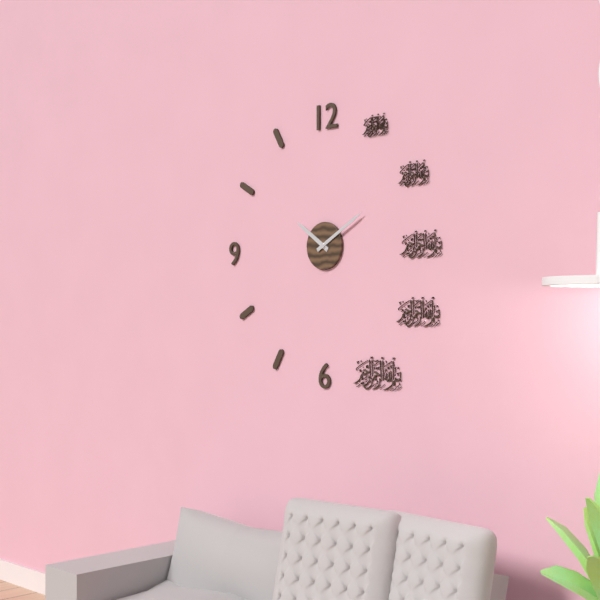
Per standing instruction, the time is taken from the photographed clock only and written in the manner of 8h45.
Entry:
10h10
